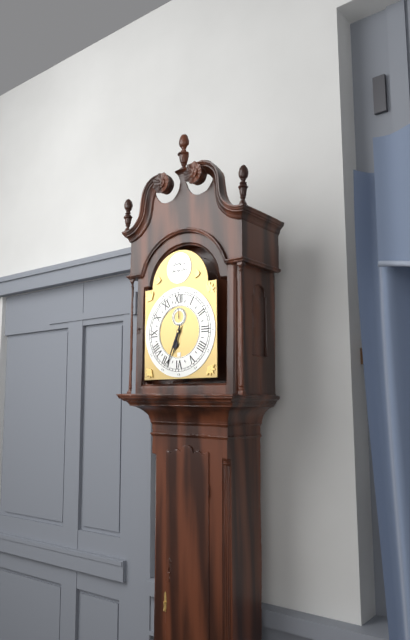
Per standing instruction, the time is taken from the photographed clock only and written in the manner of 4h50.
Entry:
6h34
